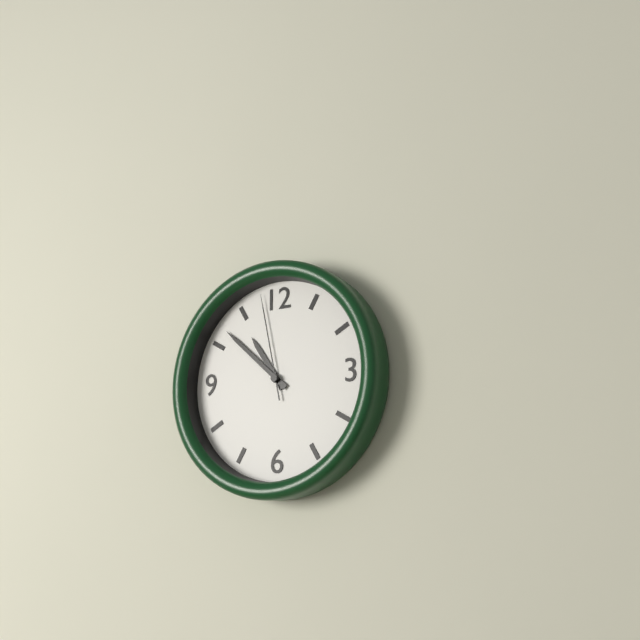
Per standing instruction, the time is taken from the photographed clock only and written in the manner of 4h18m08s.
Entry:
10h52m58s
